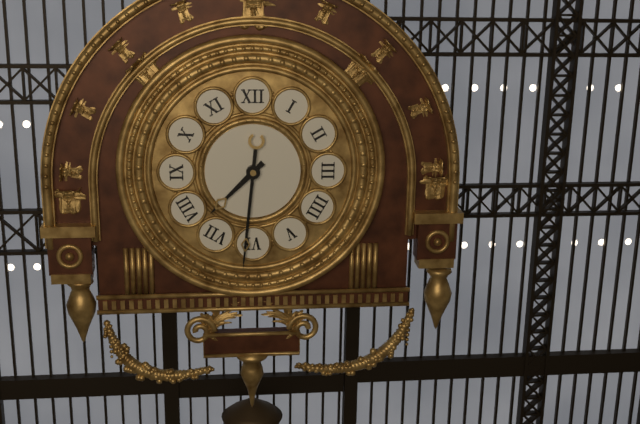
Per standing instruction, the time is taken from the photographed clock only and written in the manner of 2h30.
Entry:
7h31
